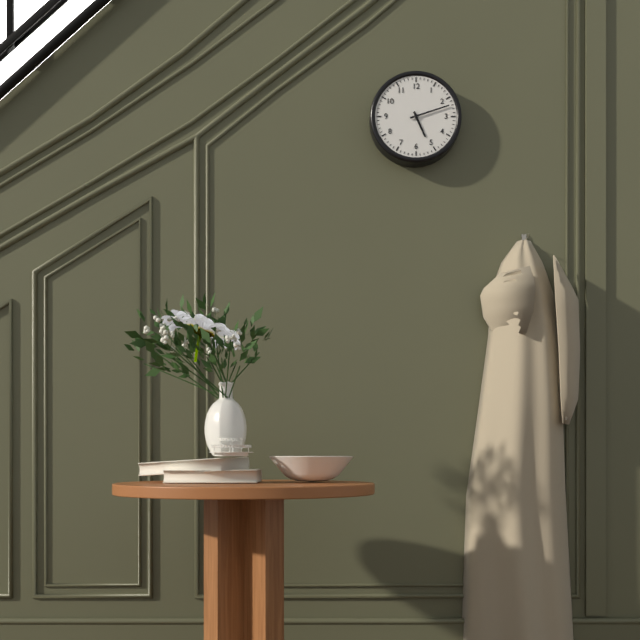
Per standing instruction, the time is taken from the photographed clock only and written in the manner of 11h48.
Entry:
5h12
